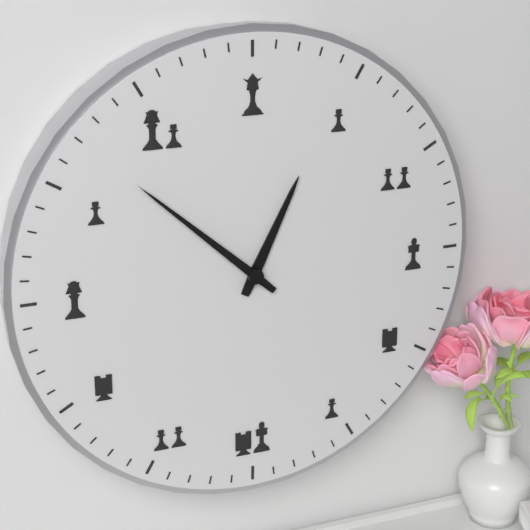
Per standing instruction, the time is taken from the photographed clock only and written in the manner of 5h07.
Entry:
12h52
